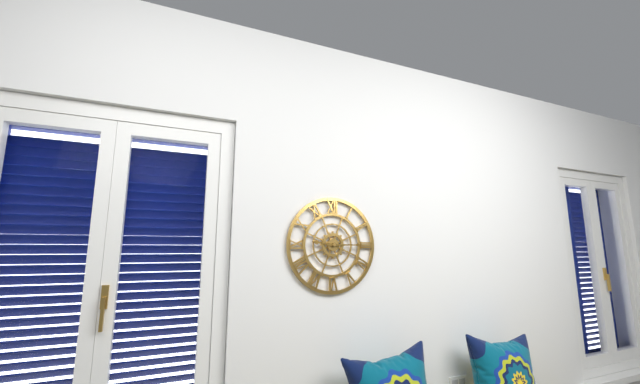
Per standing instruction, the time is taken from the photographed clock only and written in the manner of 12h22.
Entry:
9h15
